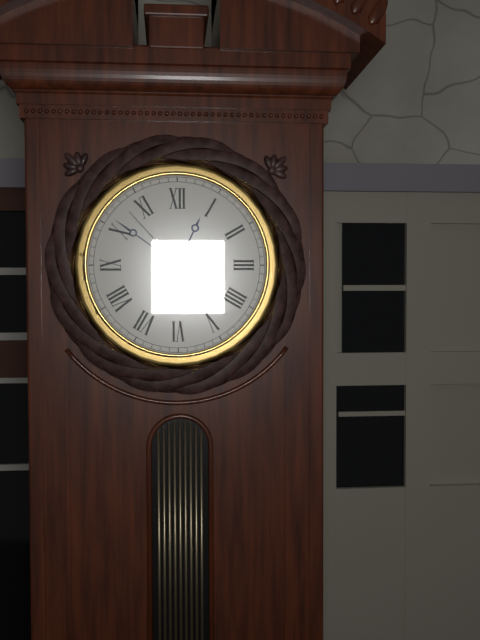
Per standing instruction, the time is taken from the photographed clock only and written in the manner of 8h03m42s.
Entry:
12h51m53s
